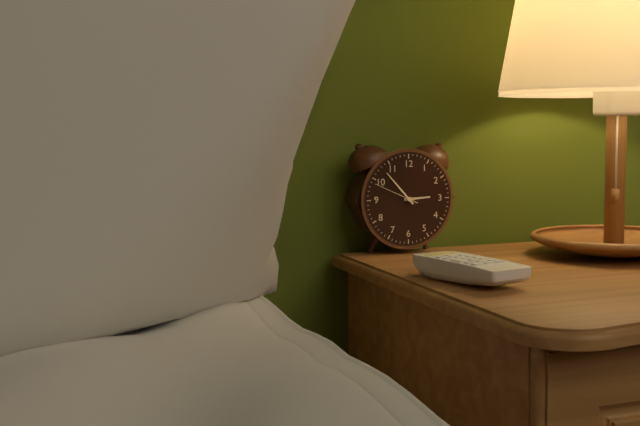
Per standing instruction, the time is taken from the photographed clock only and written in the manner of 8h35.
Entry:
2h53
